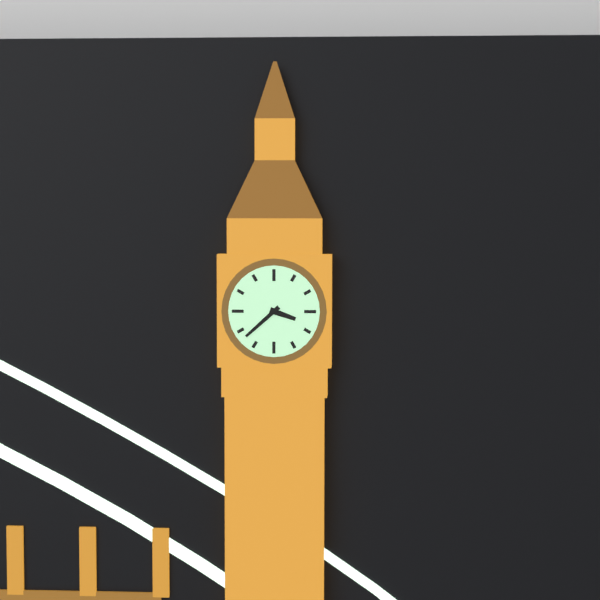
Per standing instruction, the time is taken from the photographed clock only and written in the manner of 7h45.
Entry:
3h38
